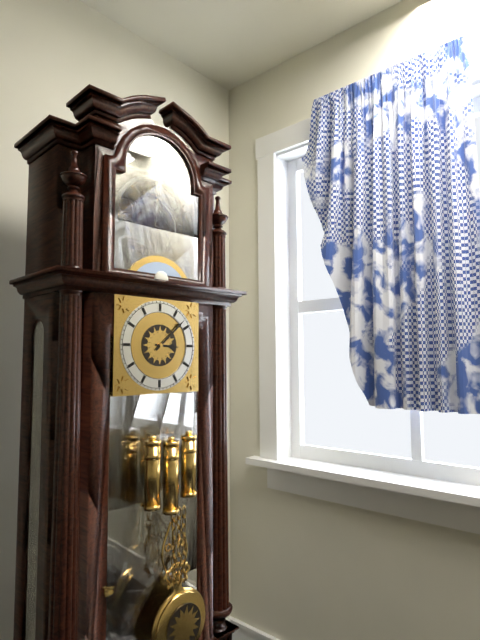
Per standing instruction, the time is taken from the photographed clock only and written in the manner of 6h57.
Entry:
3h08
